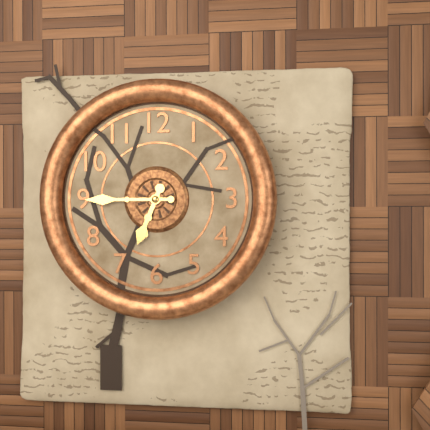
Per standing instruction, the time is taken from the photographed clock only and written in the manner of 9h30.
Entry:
6h45
